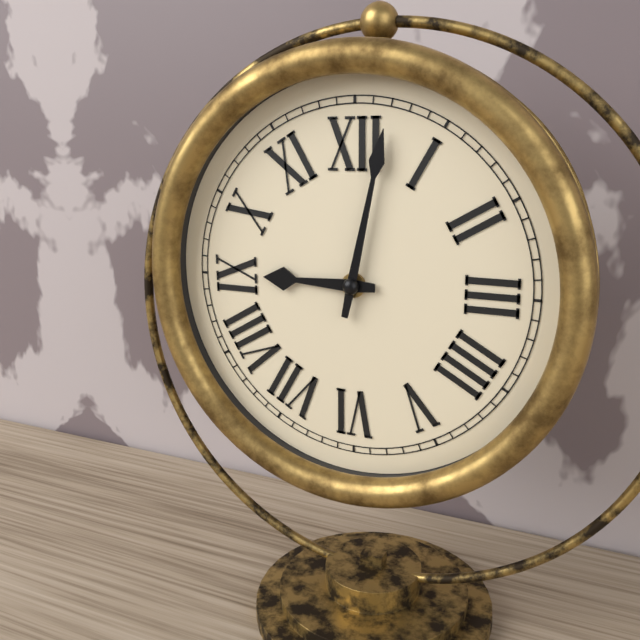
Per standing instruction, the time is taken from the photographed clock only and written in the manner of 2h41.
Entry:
9h02
